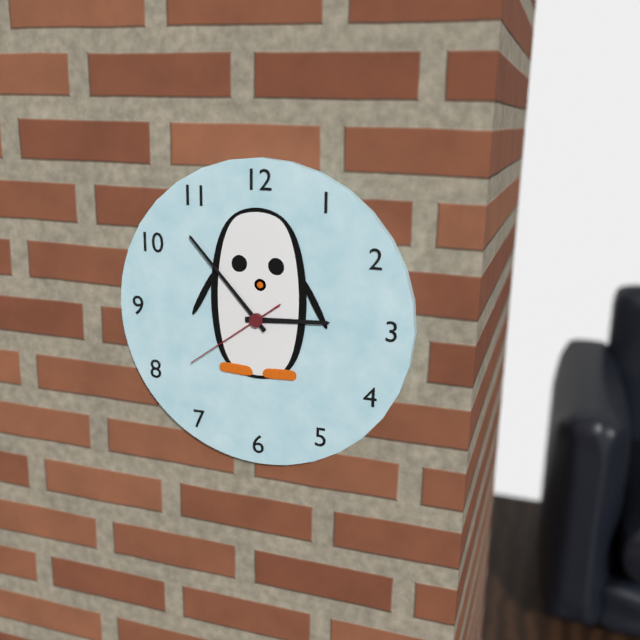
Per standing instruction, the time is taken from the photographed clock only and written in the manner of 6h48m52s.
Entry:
2h53m39s
